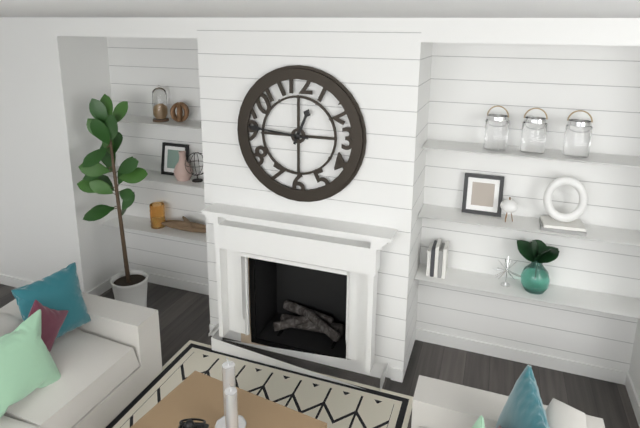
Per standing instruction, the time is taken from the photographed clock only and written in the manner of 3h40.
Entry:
12h46
